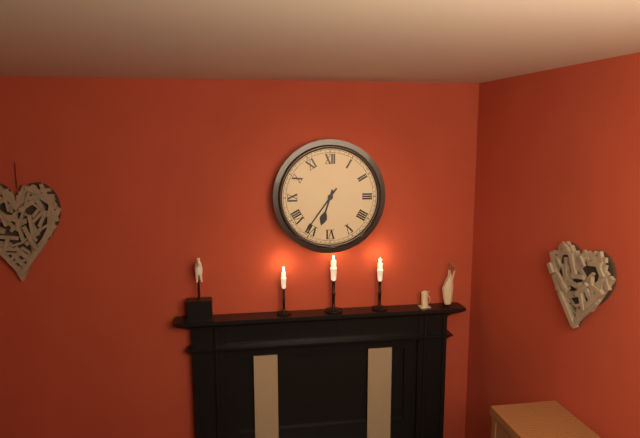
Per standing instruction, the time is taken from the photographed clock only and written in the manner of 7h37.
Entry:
6h36
